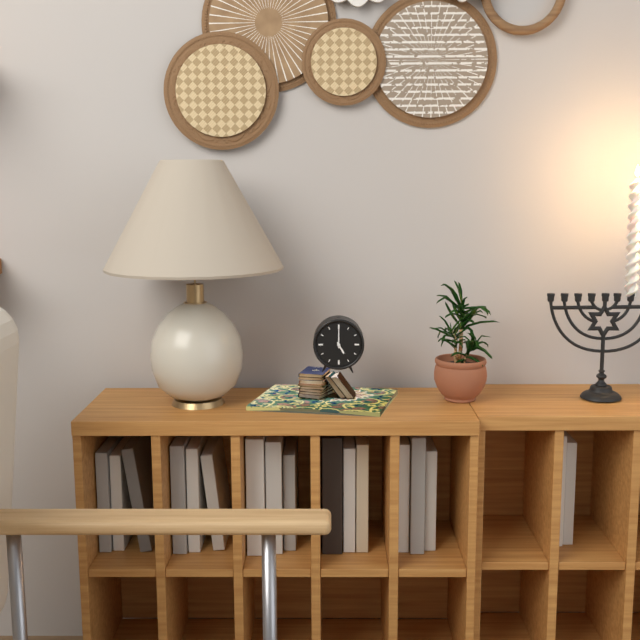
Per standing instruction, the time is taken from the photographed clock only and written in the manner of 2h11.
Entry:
5h00
